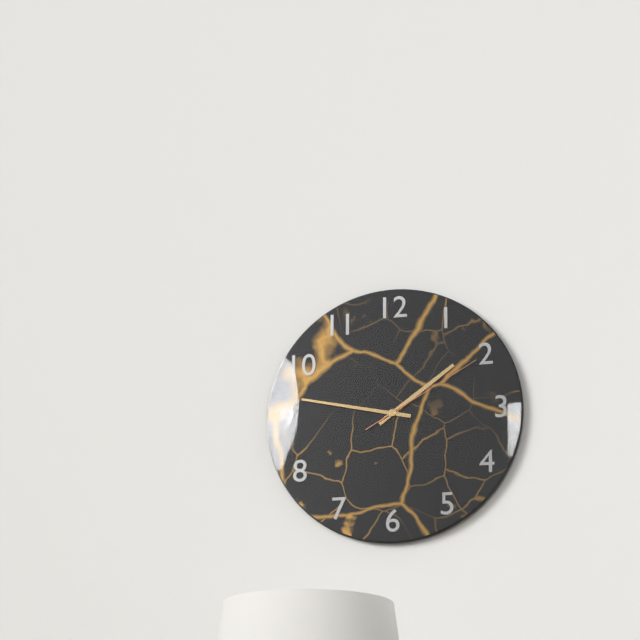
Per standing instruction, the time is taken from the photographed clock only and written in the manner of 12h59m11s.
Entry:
1h47m10s
